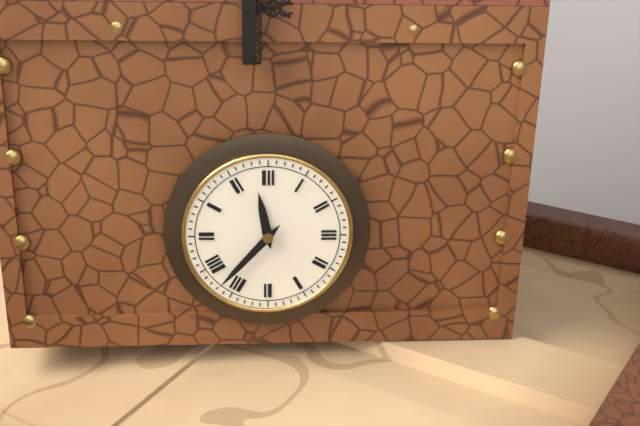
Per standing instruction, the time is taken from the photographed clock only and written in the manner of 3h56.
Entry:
11h37
